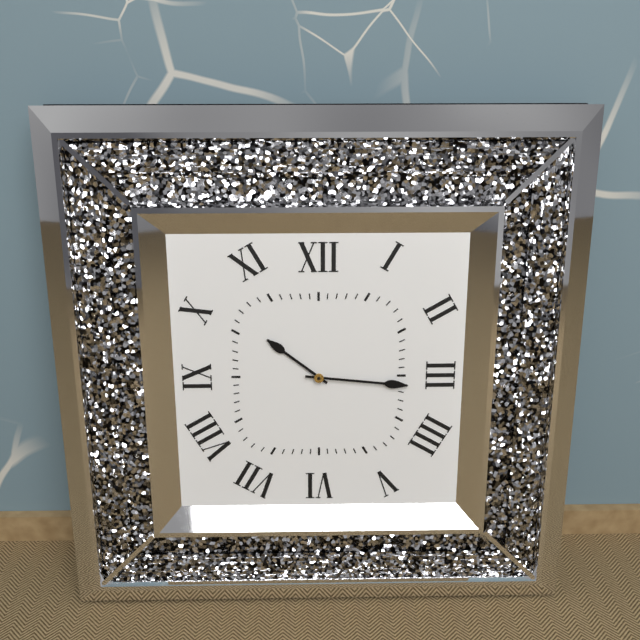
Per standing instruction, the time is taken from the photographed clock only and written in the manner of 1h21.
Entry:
10h16
